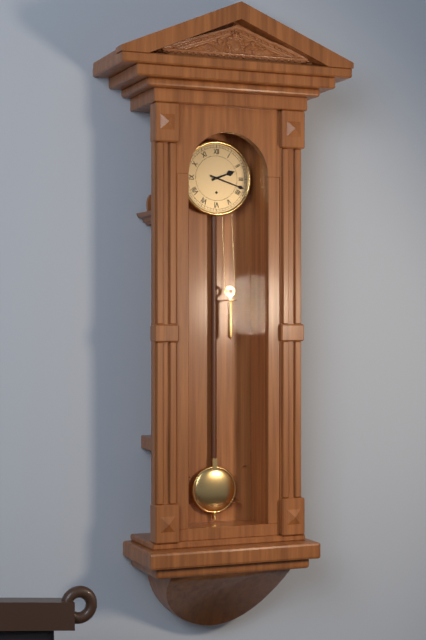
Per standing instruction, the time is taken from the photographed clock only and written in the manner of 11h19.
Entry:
2h18
